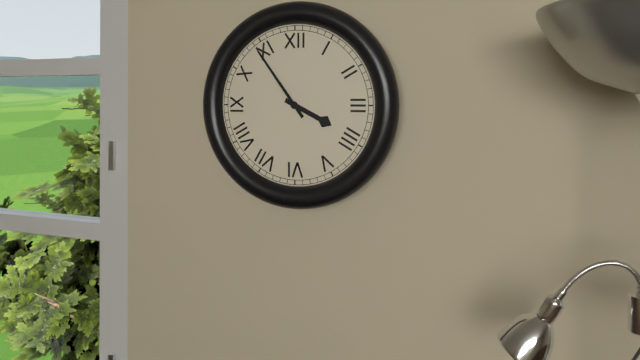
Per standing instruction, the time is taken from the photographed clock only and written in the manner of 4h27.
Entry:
3h54
